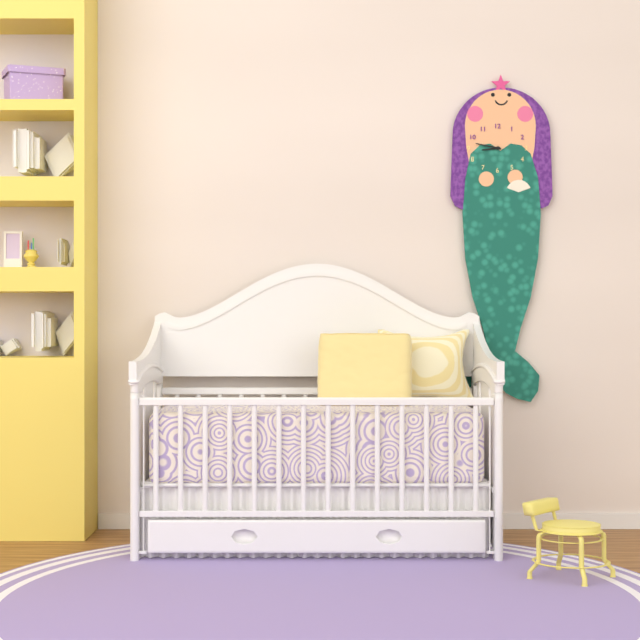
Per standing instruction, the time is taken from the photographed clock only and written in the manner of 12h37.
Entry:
8h47
